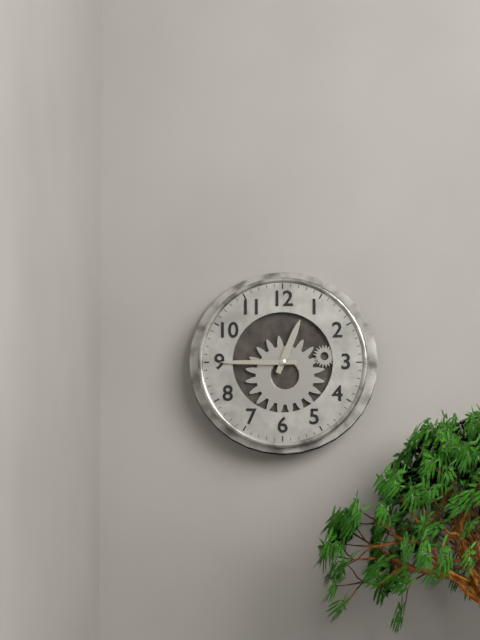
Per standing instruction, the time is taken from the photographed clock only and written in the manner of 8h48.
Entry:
12h45
